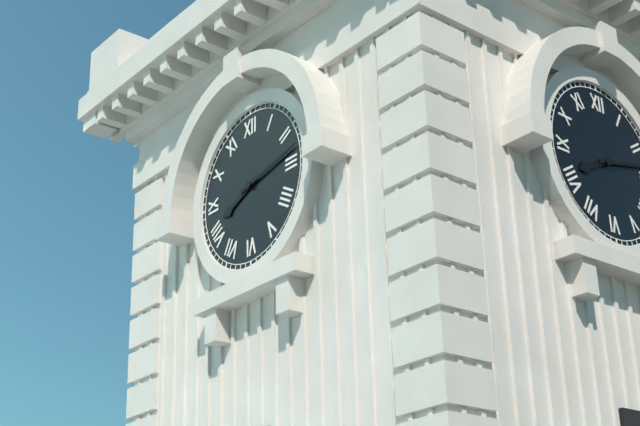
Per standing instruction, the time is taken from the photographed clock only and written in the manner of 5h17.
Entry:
8h13
